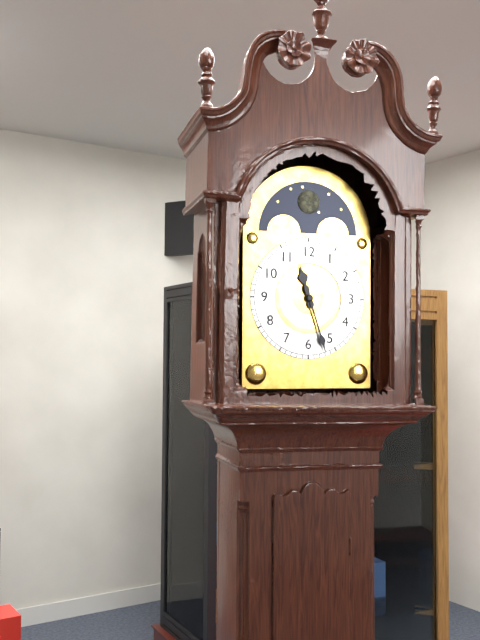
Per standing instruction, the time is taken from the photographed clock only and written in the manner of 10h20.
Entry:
11h27
